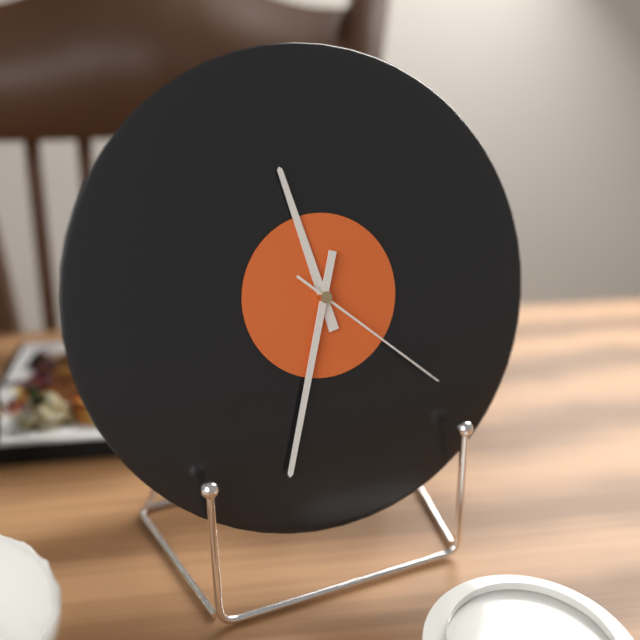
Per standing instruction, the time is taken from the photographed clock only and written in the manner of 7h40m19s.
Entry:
11h33m22s
